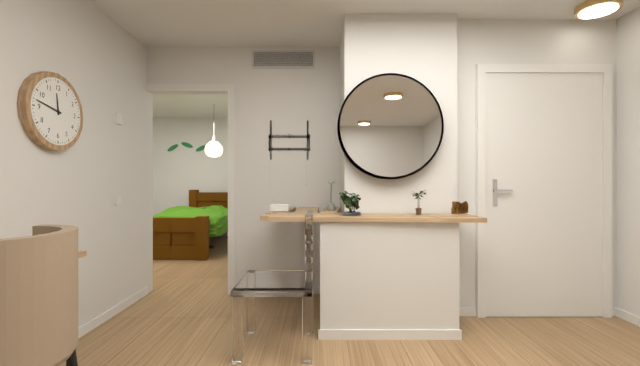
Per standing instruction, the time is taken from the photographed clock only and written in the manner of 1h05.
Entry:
11h47
